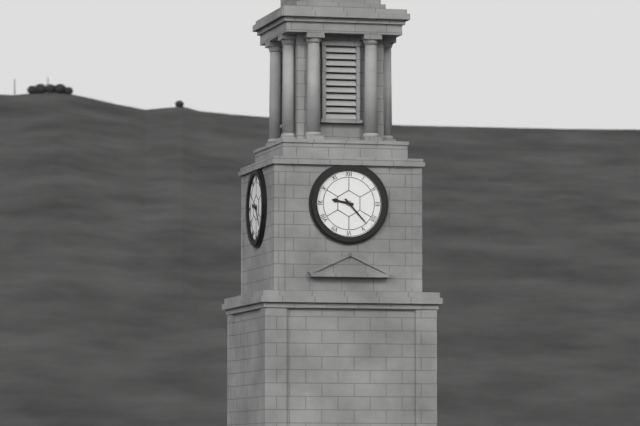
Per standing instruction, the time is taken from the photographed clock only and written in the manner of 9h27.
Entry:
9h23
